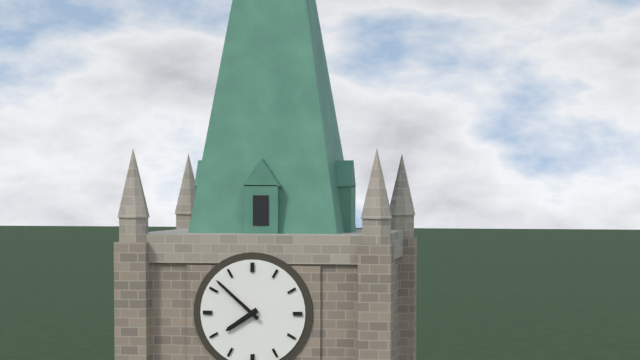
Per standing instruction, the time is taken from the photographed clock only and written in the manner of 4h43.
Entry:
7h52
